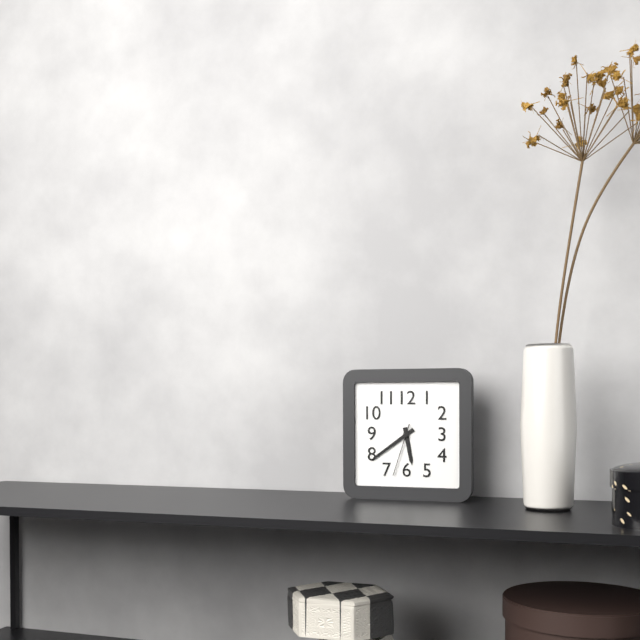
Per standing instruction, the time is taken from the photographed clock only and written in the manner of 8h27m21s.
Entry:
5h39m33s
